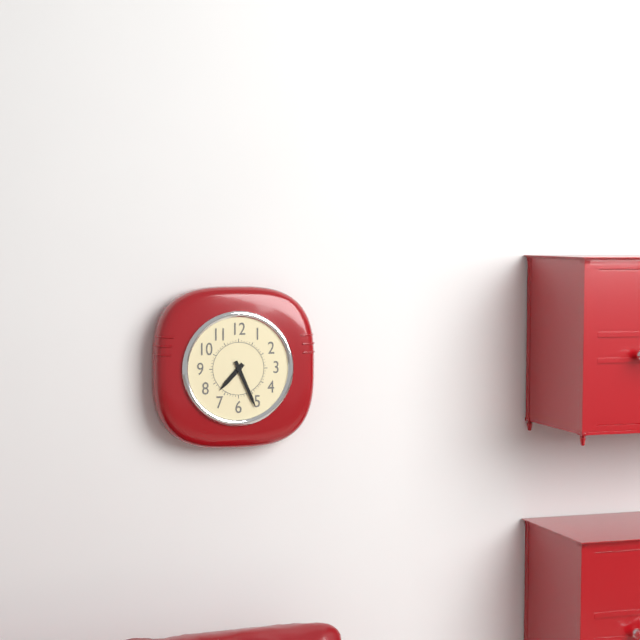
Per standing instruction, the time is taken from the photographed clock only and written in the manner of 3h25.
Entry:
7h26
